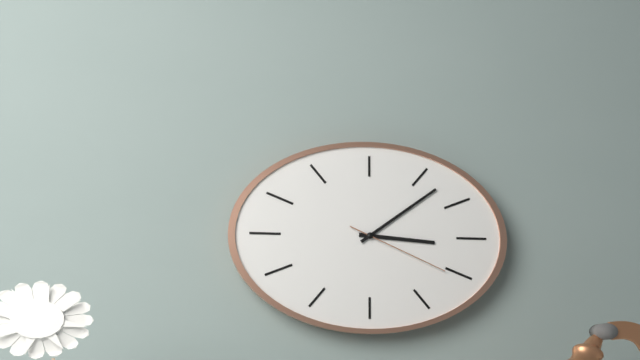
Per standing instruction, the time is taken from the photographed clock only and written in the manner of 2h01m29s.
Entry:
3h09m19s
